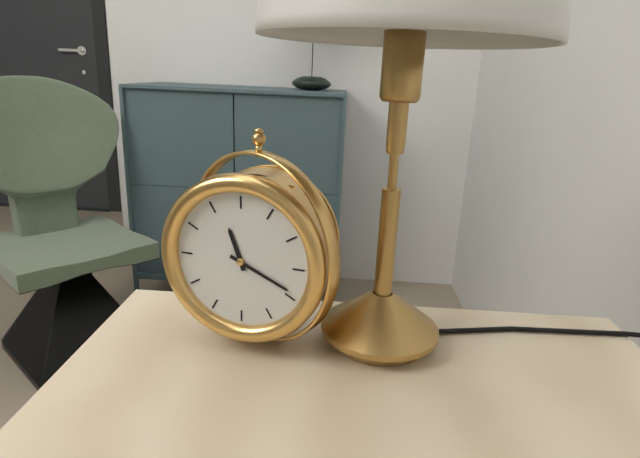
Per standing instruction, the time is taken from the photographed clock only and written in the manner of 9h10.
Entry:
11h19
